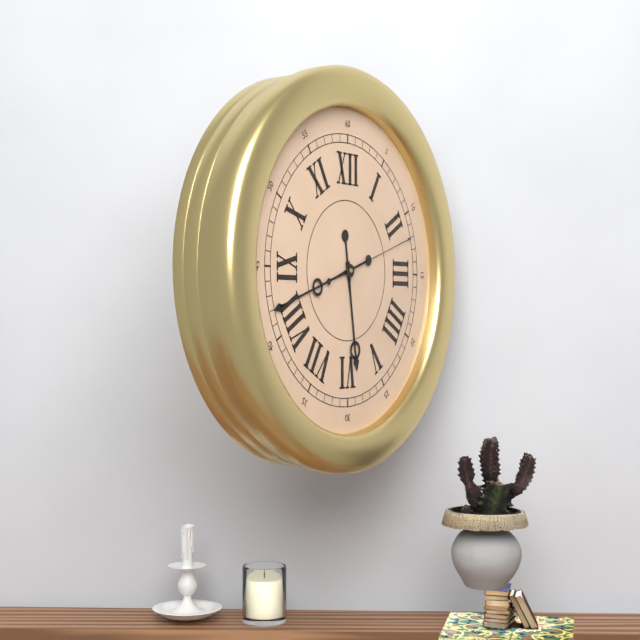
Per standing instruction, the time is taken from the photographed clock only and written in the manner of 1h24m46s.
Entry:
5h42m12s
